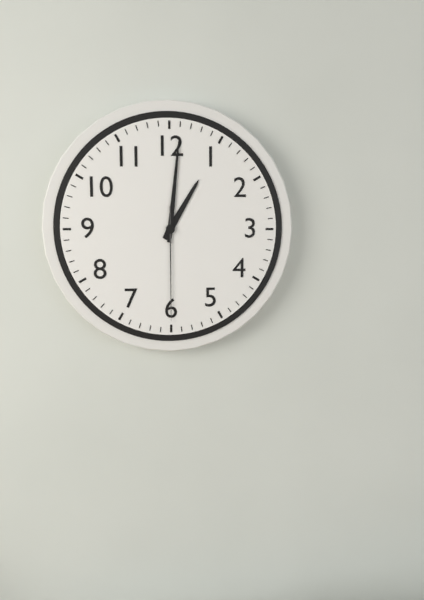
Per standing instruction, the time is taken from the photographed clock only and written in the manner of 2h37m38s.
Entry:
1h01m30s
